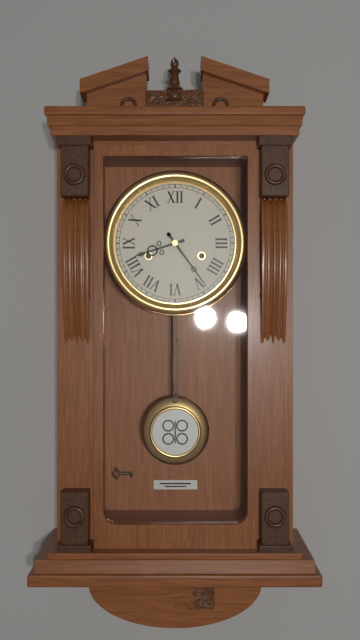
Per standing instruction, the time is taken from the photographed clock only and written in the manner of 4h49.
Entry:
8h24
